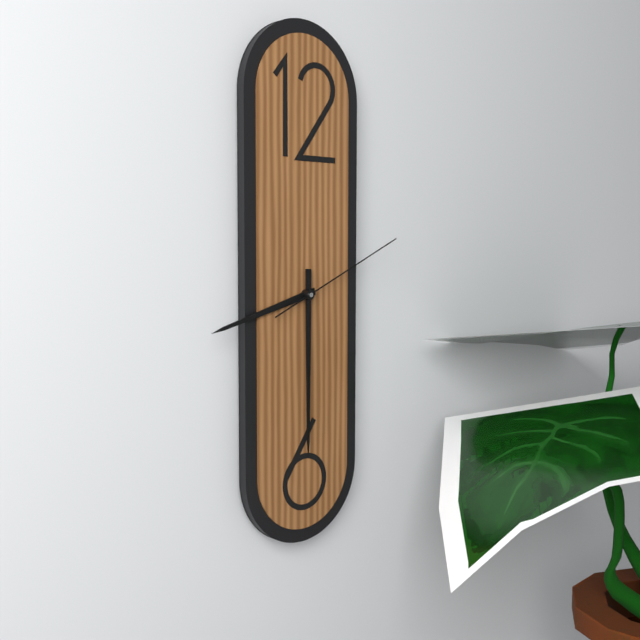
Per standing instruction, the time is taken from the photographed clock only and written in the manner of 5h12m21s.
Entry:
8h30m11s
